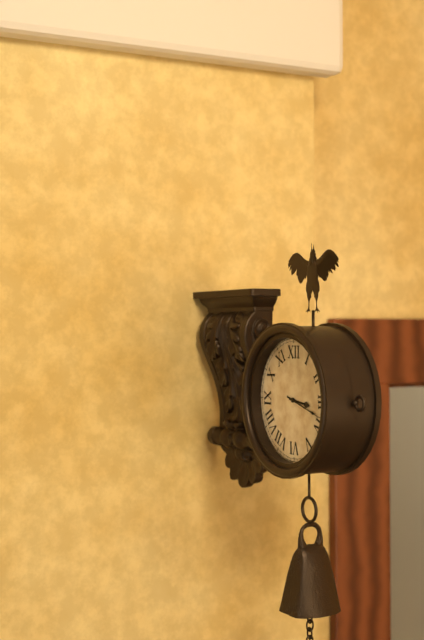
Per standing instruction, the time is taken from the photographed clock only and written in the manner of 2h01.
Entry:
3h18
